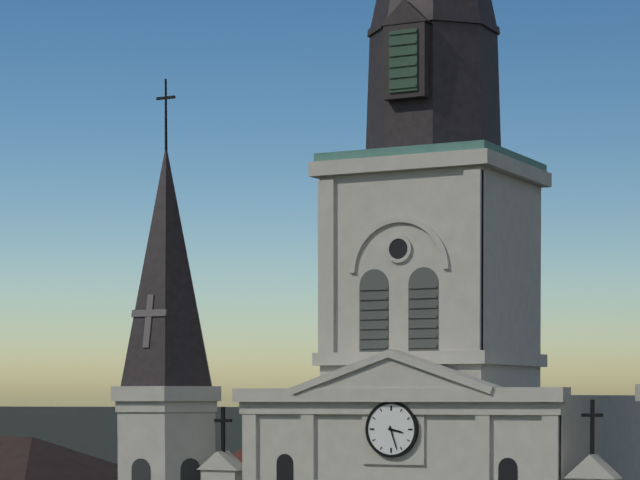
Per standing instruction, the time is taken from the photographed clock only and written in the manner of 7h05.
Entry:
3h27
